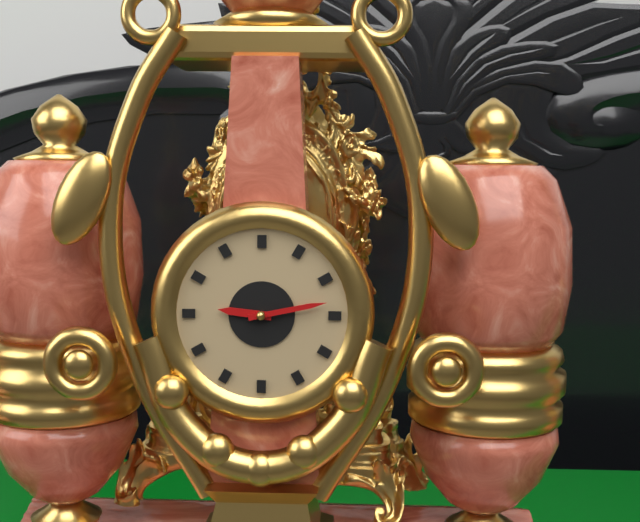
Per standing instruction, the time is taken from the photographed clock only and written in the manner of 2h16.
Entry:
9h13
